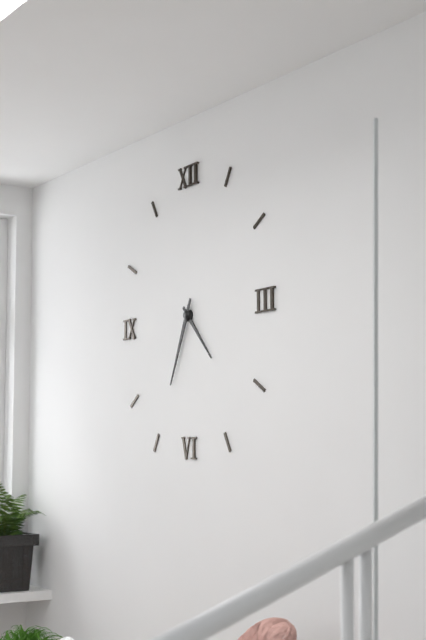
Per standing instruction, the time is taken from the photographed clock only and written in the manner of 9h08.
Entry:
4h34
